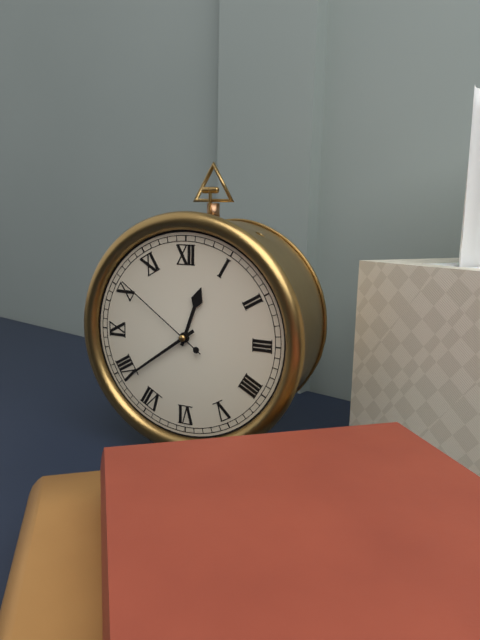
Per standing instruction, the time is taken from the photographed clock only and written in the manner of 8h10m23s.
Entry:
12h39m51s
